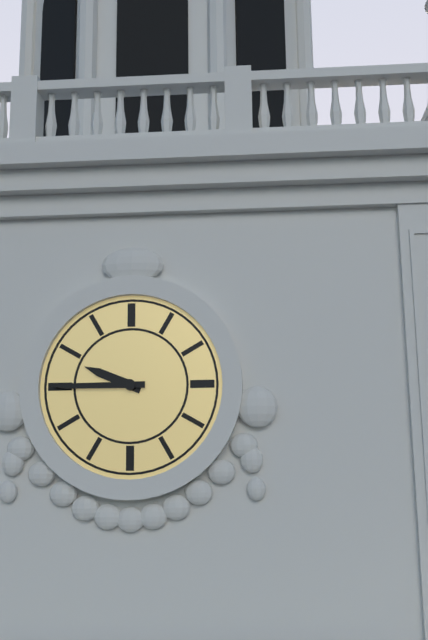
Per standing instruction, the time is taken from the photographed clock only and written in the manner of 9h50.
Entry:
9h45
